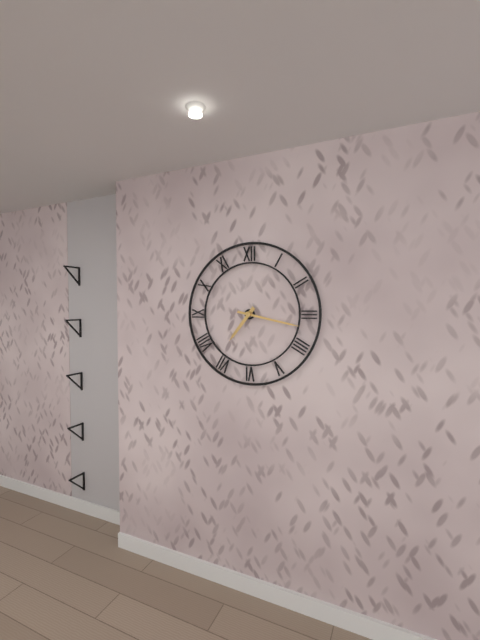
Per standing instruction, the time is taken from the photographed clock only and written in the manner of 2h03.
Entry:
7h17
